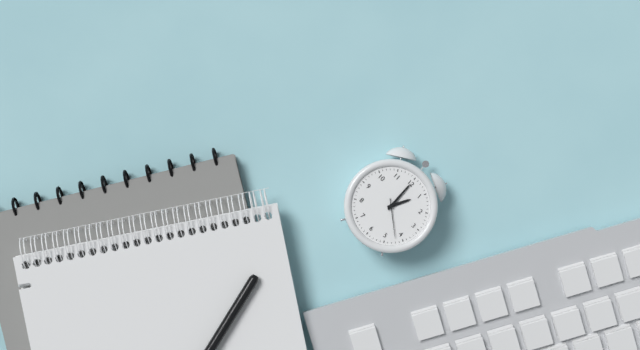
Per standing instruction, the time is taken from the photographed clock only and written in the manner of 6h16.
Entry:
1h00
